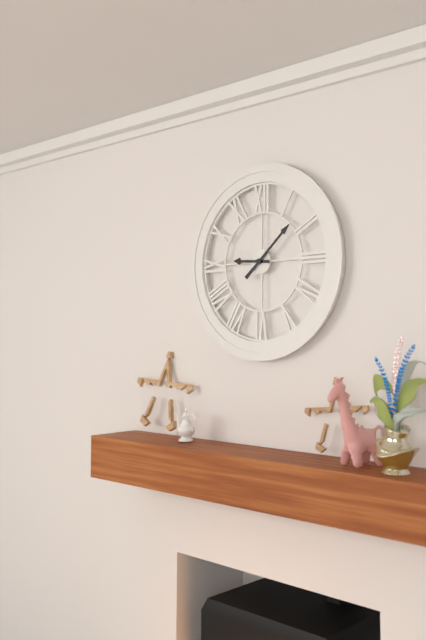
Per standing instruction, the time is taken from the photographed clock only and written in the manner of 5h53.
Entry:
9h08
